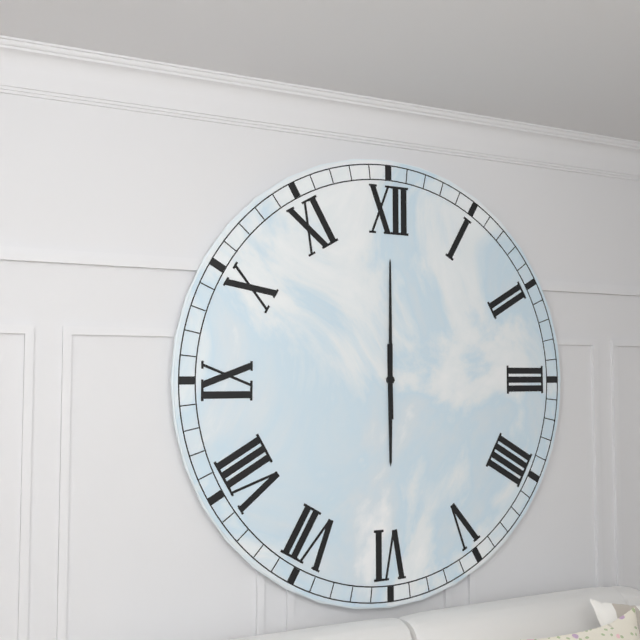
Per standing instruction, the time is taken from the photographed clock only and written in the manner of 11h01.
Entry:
6h00
